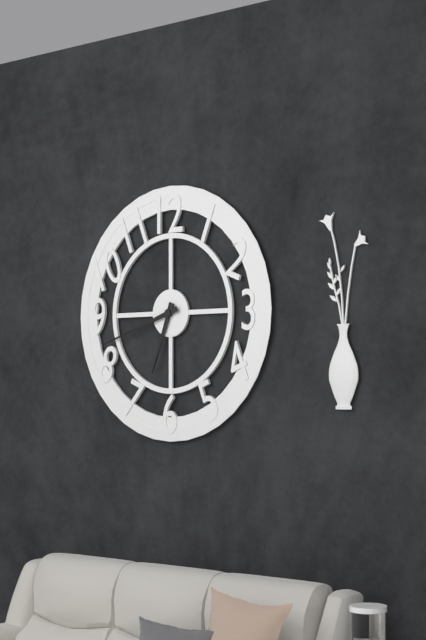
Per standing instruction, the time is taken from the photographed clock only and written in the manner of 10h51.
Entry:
6h42
